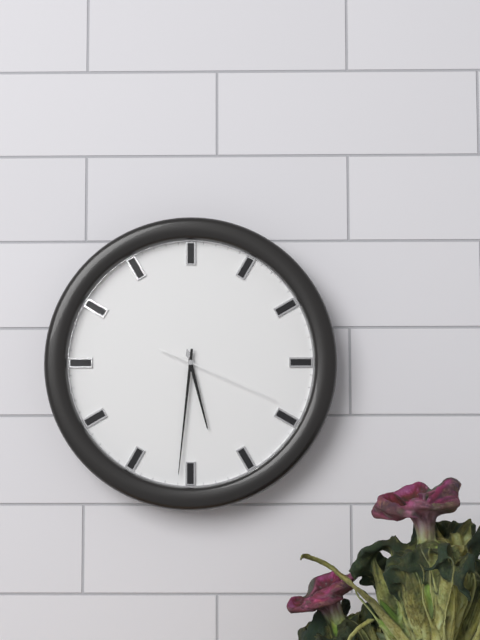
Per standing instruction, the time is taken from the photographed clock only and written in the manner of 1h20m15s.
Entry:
5h31m19s
